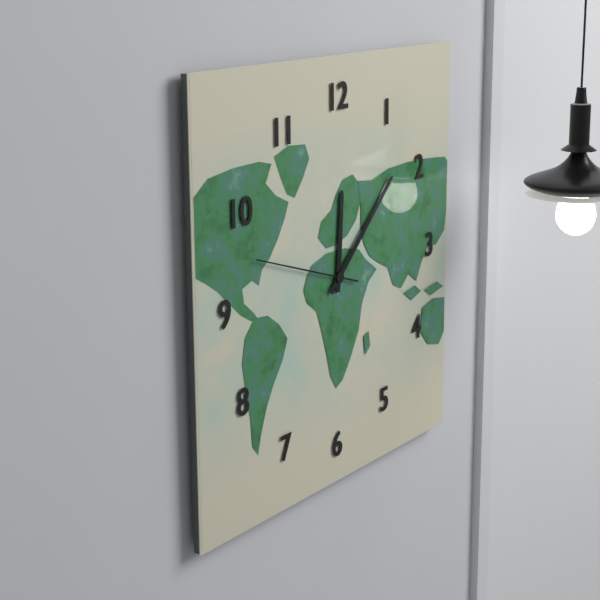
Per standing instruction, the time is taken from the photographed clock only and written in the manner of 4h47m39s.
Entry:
12h08m48s
